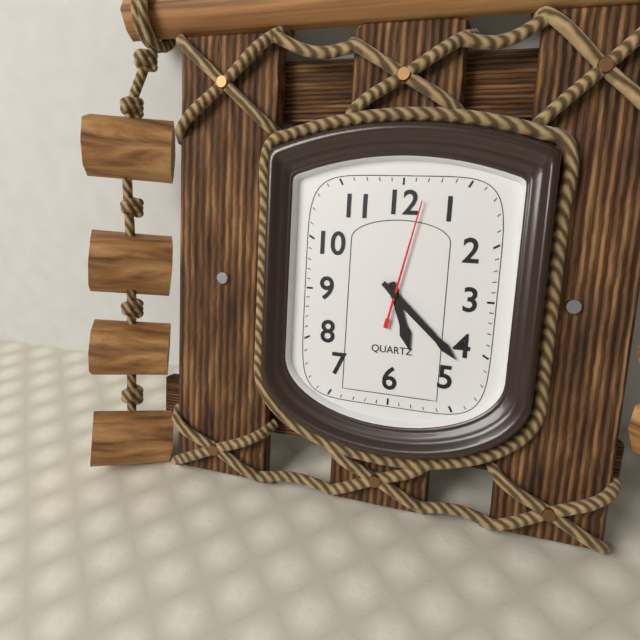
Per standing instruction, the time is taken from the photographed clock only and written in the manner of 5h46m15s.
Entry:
5h22m02s
